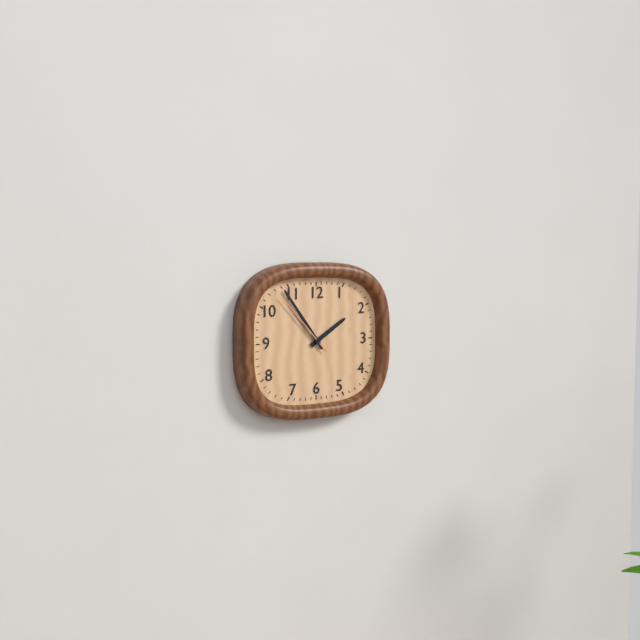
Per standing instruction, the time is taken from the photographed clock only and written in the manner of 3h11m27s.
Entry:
1h54m53s
